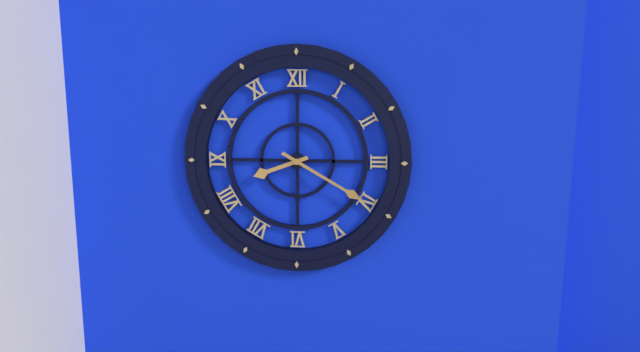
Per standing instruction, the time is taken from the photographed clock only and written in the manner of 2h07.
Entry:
8h20
